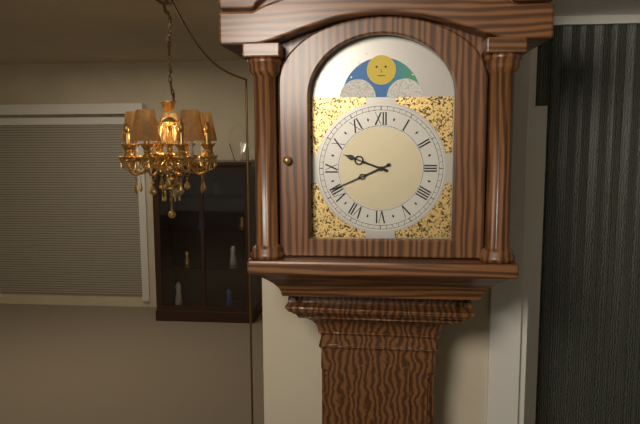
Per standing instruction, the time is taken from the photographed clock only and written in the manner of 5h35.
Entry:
9h41
